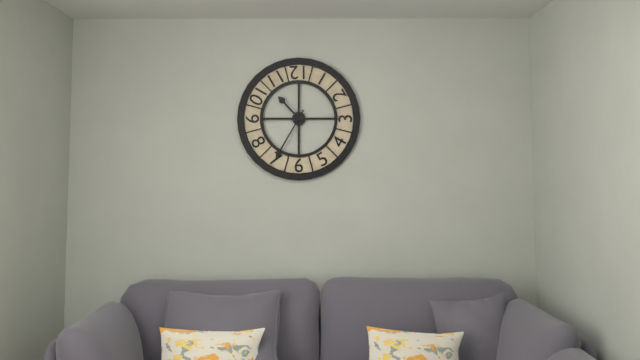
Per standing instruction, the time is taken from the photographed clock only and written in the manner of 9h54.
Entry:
10h35
